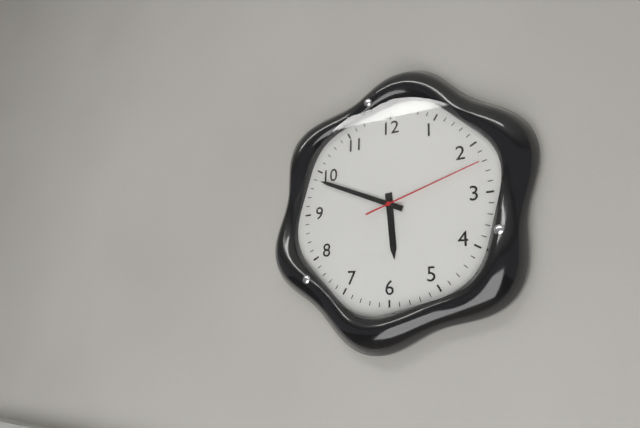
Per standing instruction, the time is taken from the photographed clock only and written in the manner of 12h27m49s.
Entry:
5h49m12s
